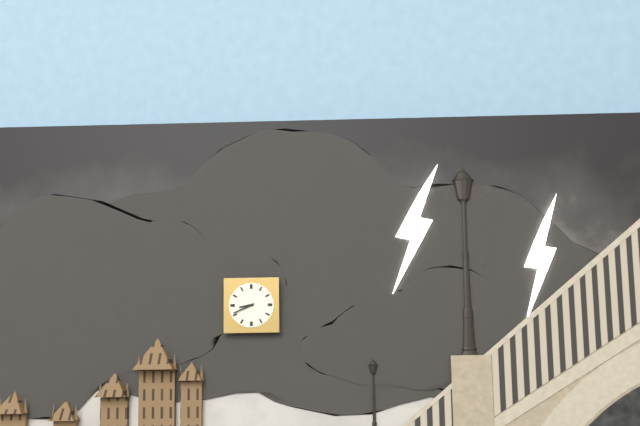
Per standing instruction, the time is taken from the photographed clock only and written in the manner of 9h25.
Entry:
8h41
